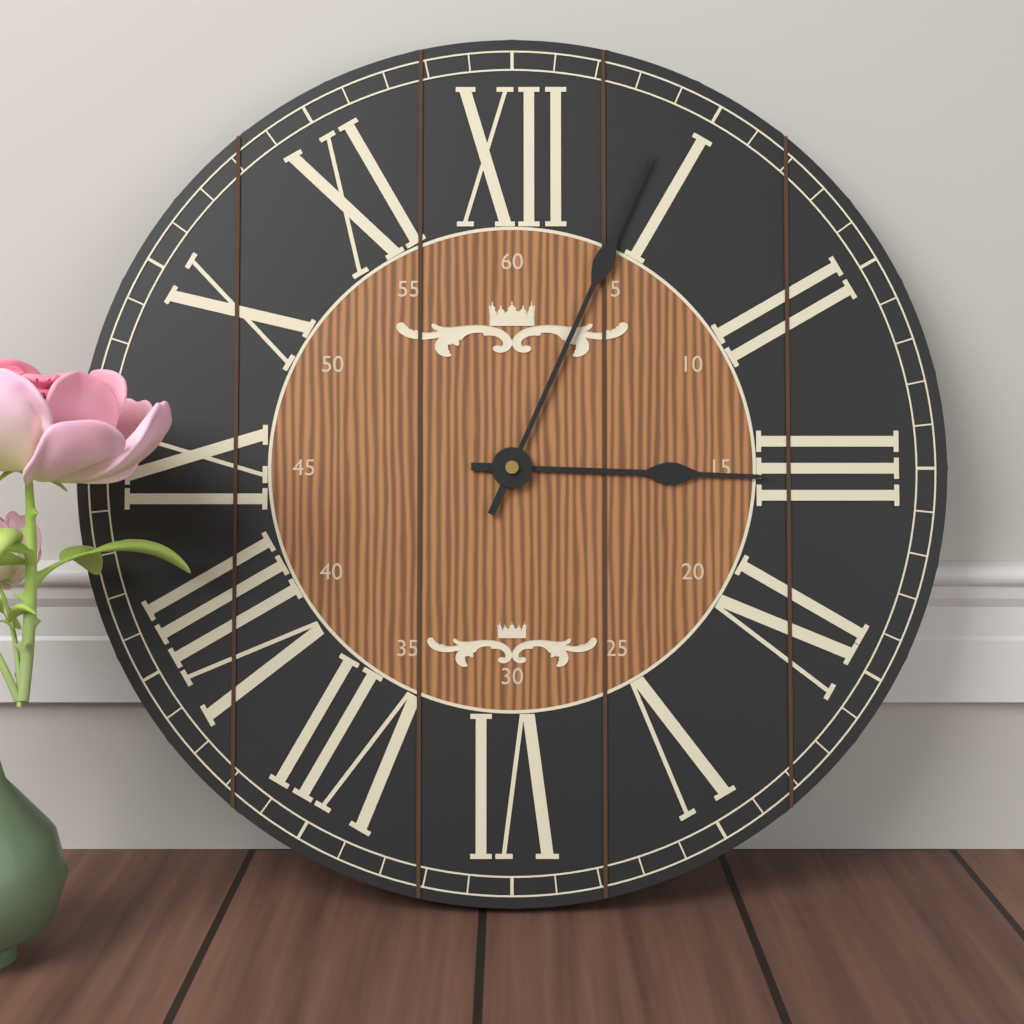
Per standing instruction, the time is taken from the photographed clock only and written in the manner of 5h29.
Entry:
3h04
